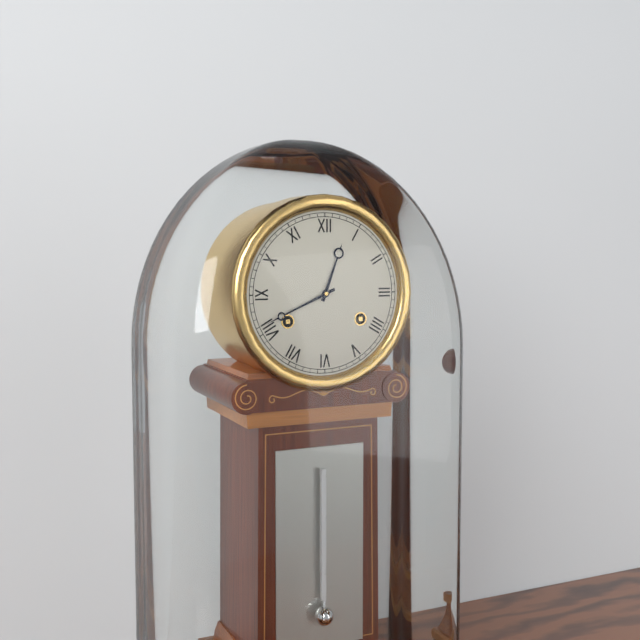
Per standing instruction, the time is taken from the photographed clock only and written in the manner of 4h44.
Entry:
12h41
